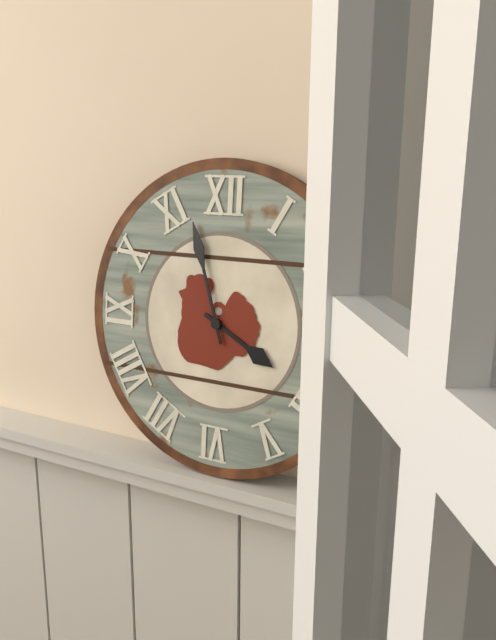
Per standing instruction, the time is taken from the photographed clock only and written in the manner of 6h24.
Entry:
3h57
